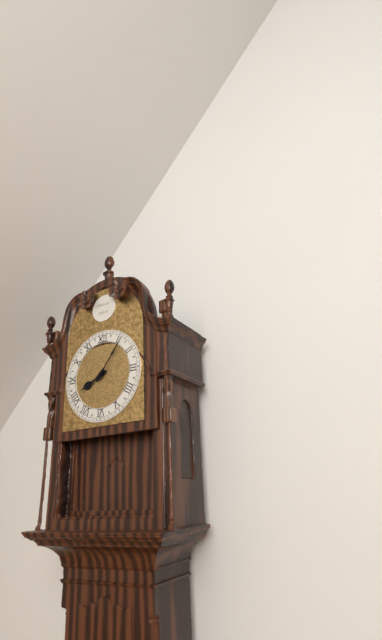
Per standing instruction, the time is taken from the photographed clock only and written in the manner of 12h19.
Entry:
8h06
